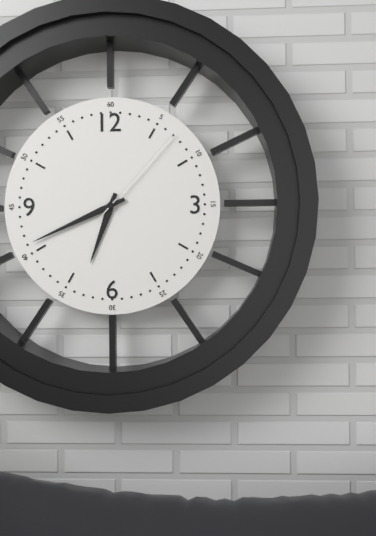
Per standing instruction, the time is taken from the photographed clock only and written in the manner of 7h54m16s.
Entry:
6h41m07s
